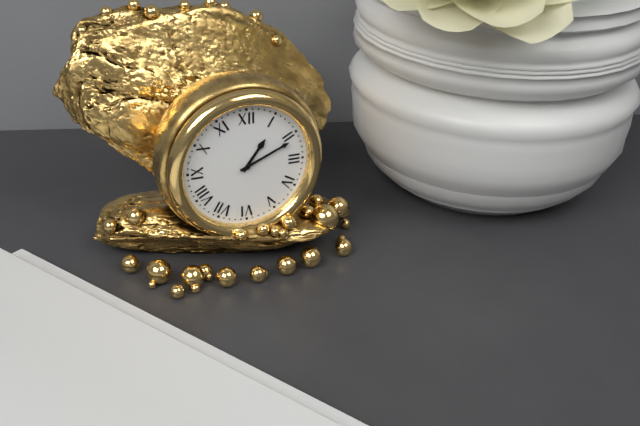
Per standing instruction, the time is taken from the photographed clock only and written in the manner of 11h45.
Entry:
1h11
